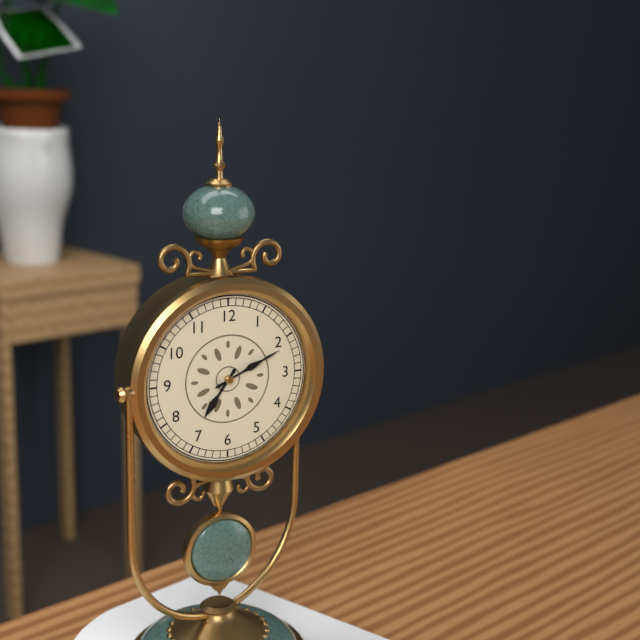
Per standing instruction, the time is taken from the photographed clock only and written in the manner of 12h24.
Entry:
7h11
